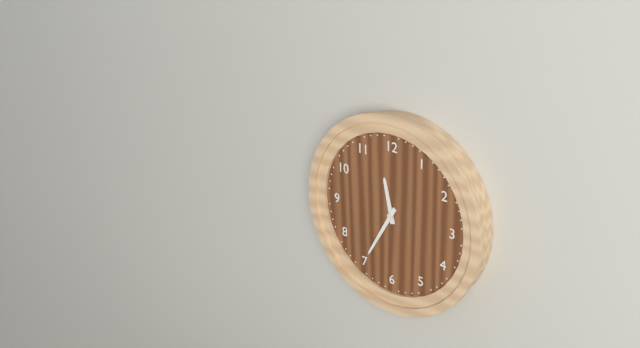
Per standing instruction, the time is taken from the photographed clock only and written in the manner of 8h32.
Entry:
11h35
